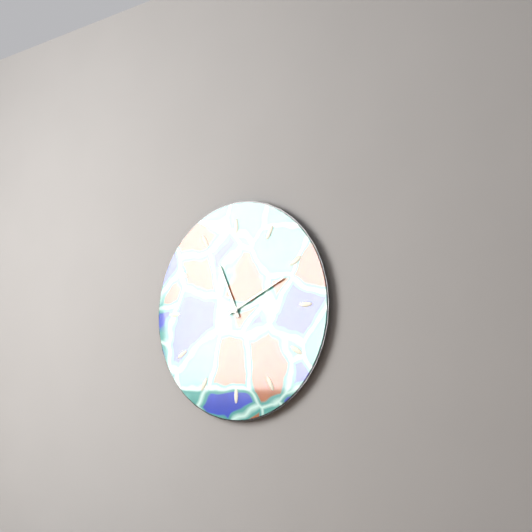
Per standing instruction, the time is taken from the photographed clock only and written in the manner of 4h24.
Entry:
11h11
